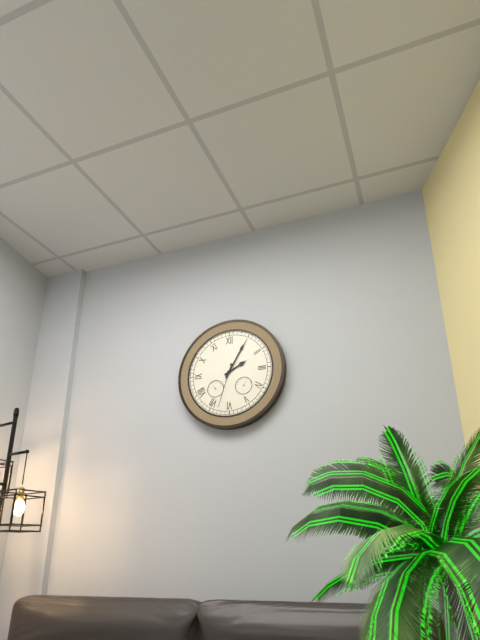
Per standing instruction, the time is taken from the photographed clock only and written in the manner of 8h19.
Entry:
2h05
